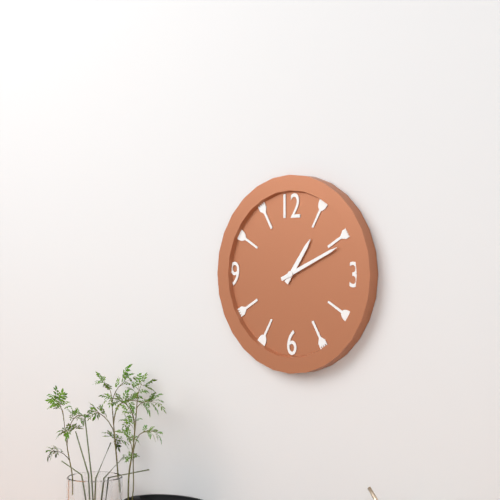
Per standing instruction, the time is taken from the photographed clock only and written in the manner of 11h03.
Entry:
1h11
